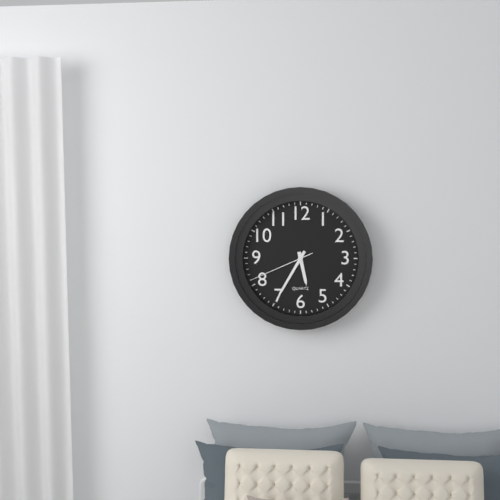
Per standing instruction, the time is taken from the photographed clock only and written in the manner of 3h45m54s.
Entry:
5h35m41s
